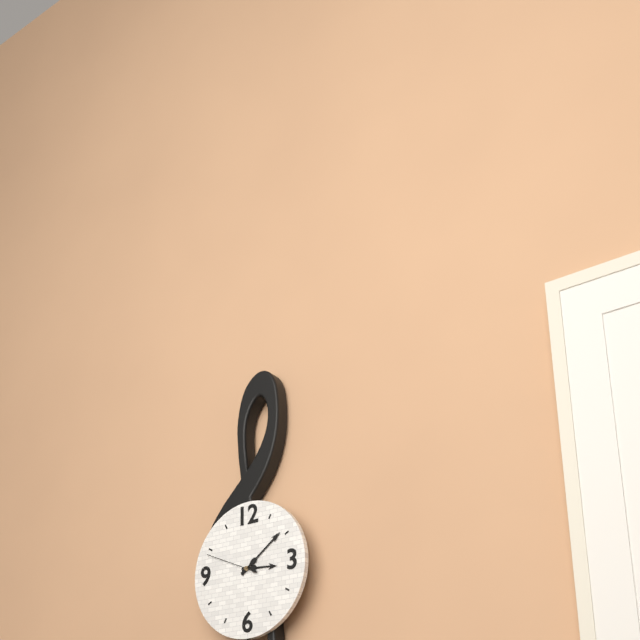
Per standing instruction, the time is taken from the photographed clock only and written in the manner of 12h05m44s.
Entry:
3h09m49s
